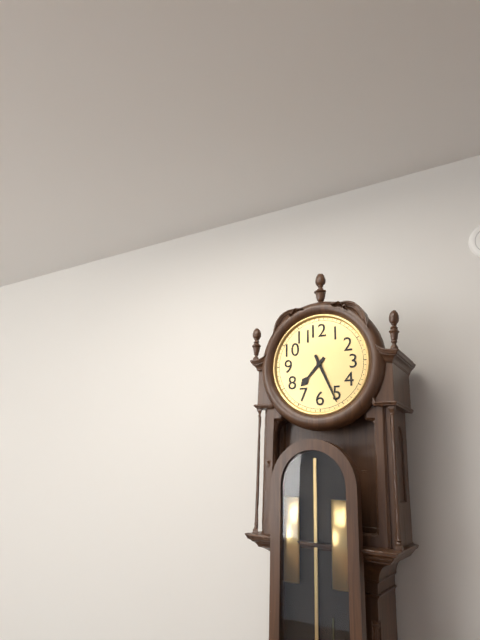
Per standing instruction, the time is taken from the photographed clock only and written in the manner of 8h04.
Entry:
7h26
